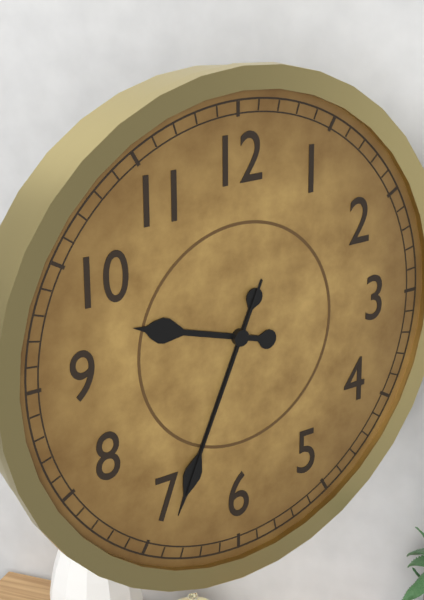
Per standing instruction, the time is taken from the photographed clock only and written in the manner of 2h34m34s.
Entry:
9h34m34s
